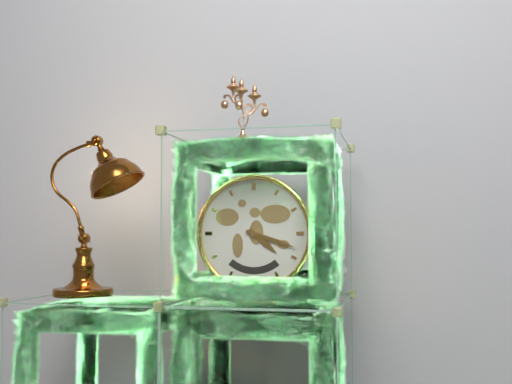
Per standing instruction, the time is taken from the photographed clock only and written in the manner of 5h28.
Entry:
4h18
